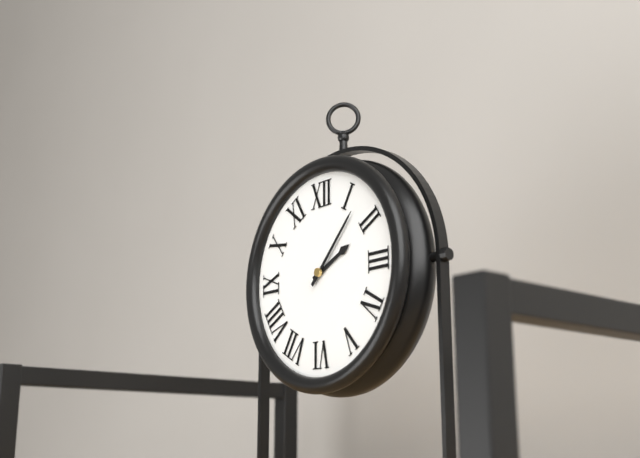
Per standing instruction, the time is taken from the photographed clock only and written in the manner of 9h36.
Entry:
2h07
